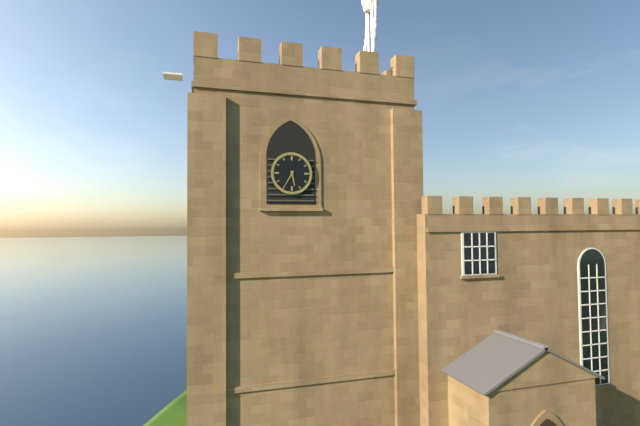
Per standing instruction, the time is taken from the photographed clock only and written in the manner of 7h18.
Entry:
5h35
